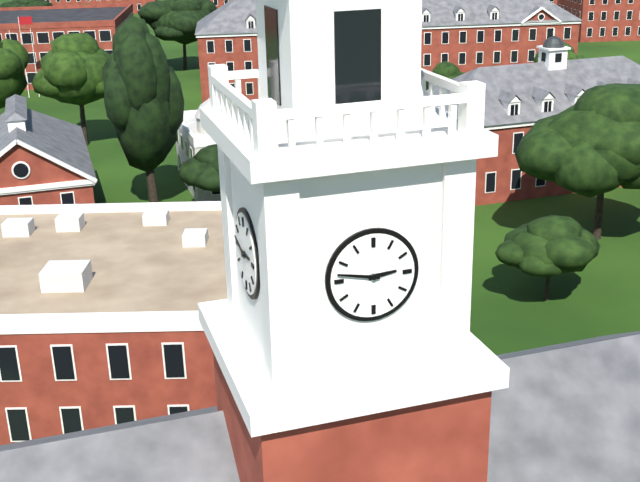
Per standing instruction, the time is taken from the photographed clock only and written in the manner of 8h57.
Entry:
2h47
